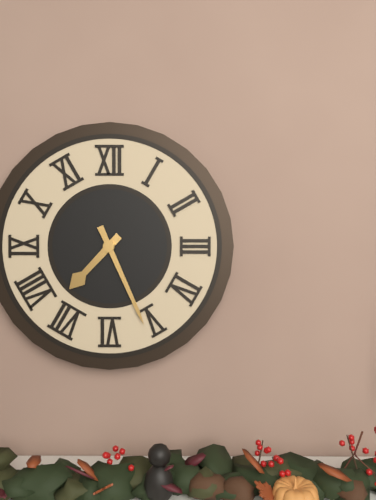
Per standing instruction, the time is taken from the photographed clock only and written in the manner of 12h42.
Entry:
7h26
